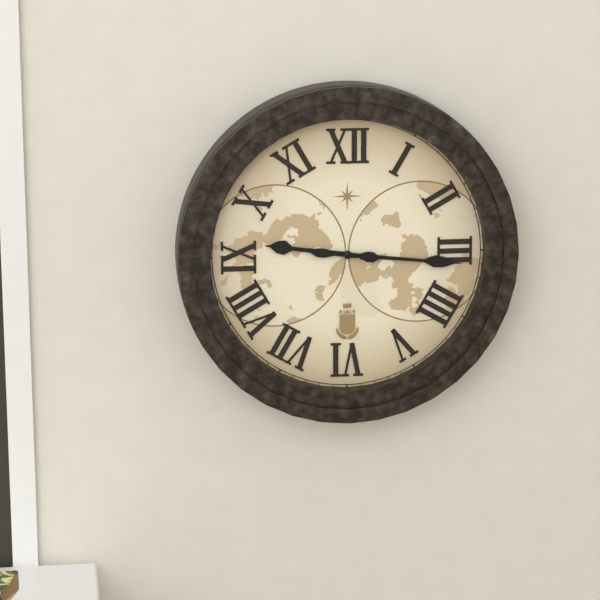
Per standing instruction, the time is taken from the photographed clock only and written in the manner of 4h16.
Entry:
9h16
